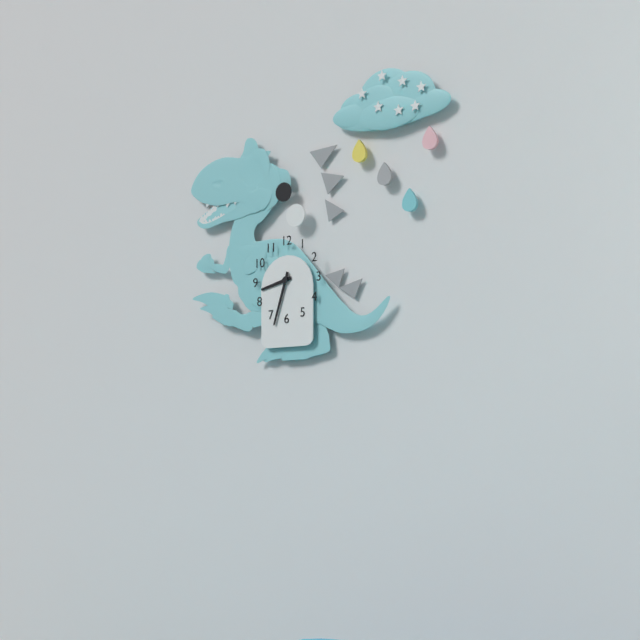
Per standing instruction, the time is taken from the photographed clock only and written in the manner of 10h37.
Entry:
8h33
